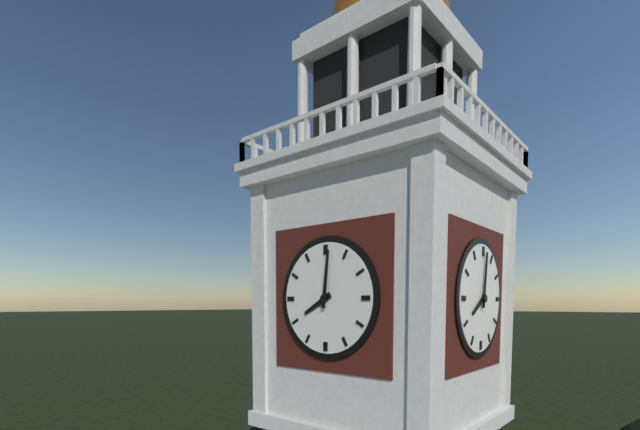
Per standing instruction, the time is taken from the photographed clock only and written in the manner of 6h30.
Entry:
8h01
